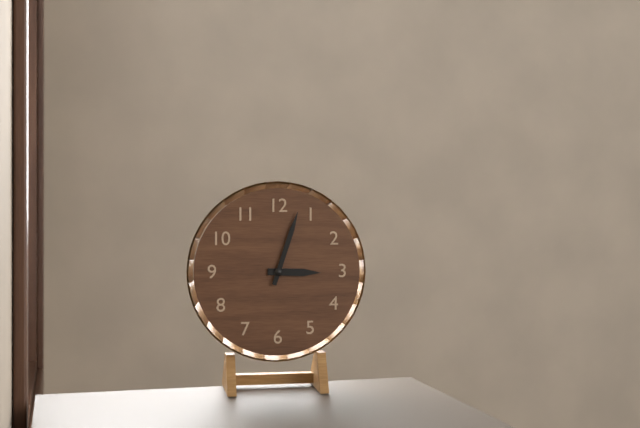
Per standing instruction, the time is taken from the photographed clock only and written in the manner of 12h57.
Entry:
3h03
